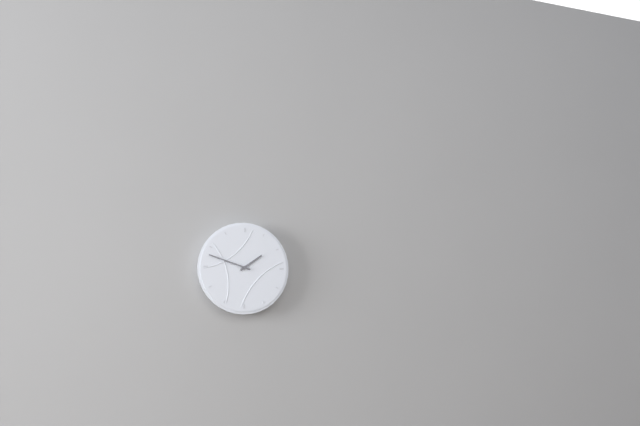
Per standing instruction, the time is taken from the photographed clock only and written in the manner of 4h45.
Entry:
1h48
